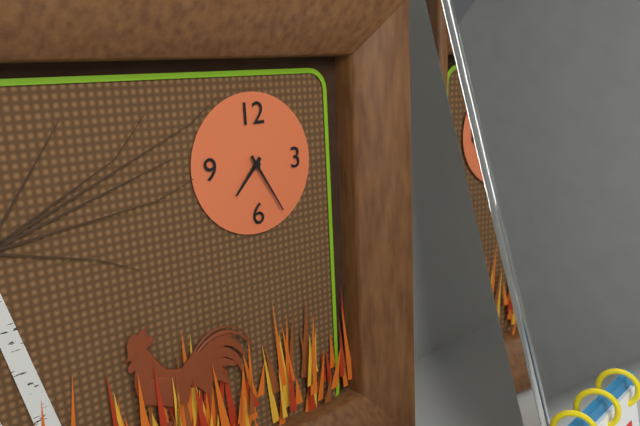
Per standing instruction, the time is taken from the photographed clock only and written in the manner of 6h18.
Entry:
7h25
